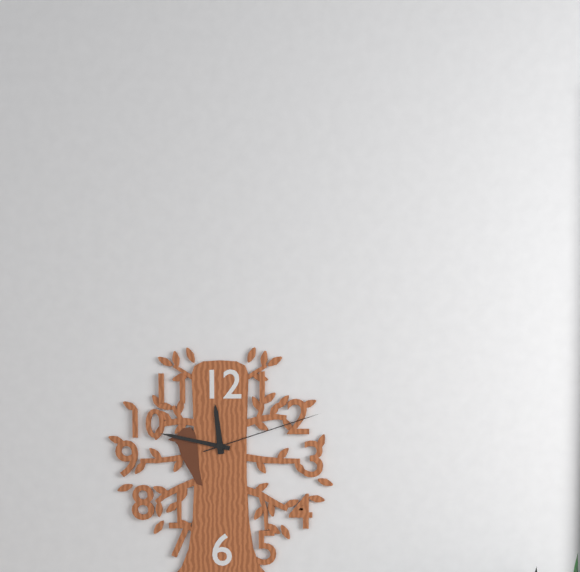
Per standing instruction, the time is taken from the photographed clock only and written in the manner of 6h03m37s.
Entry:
11h47m12s
